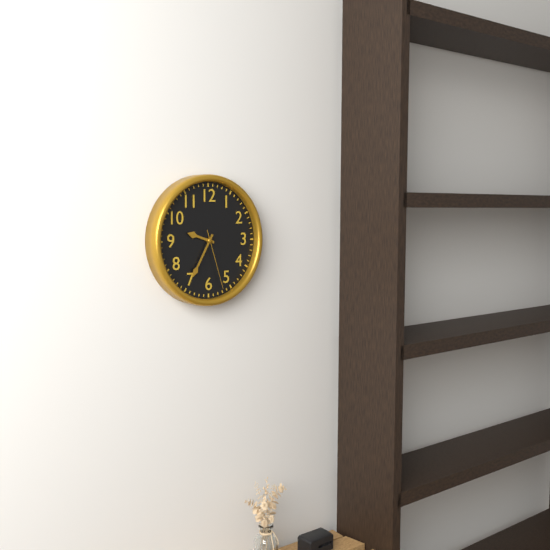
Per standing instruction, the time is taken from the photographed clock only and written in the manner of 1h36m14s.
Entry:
9h35m27s
